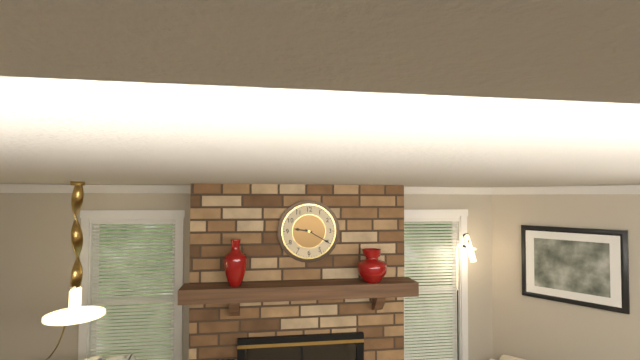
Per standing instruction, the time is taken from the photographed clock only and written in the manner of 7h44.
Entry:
9h20
